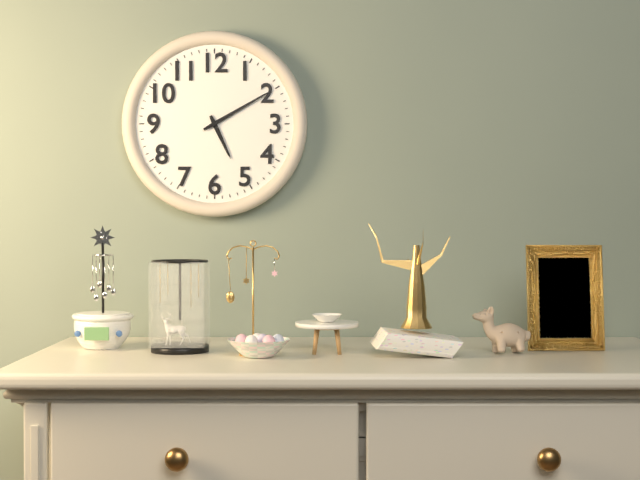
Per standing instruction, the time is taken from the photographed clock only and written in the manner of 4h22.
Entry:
5h10
